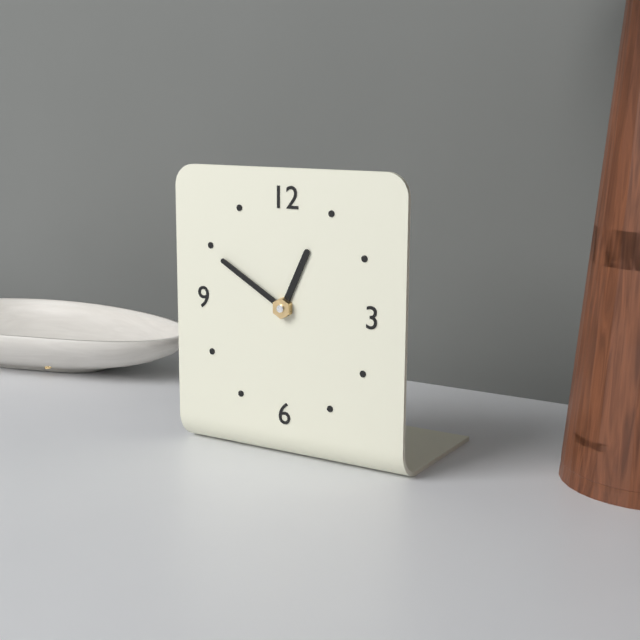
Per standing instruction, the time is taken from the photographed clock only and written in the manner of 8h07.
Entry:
12h50
